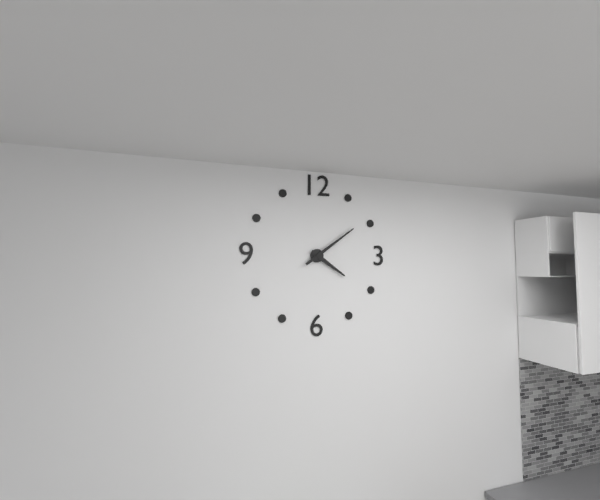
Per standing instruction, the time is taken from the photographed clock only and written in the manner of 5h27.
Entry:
4h09
